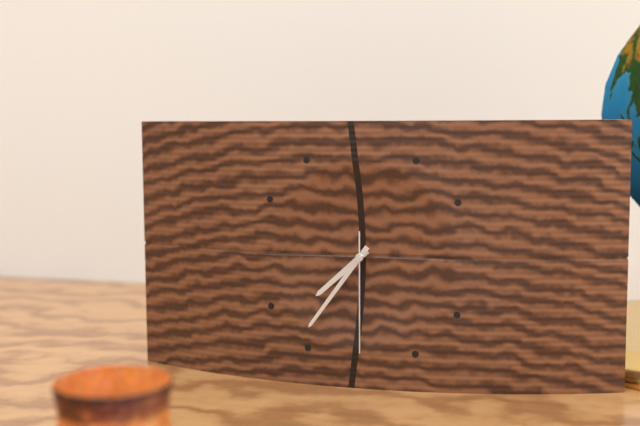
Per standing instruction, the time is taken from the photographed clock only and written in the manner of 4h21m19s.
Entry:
7h36m30s
